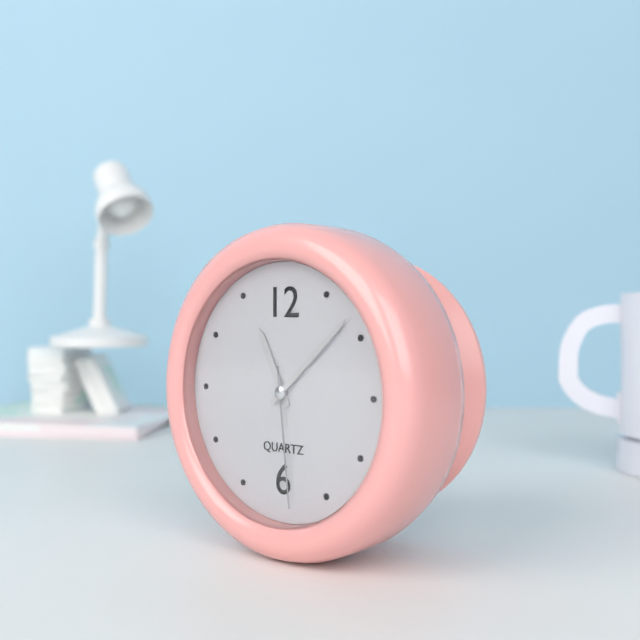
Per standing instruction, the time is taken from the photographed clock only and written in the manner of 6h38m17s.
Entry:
11h08m29s
